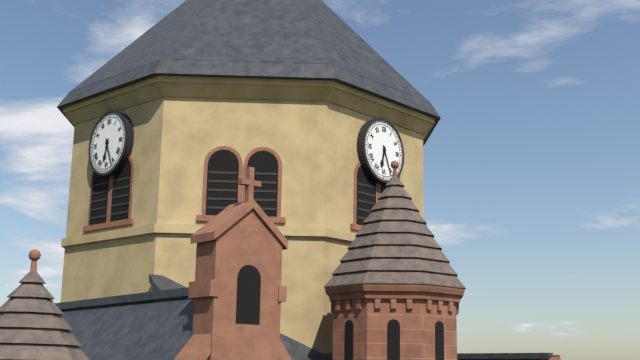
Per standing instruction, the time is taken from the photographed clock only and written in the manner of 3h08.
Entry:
6h26
